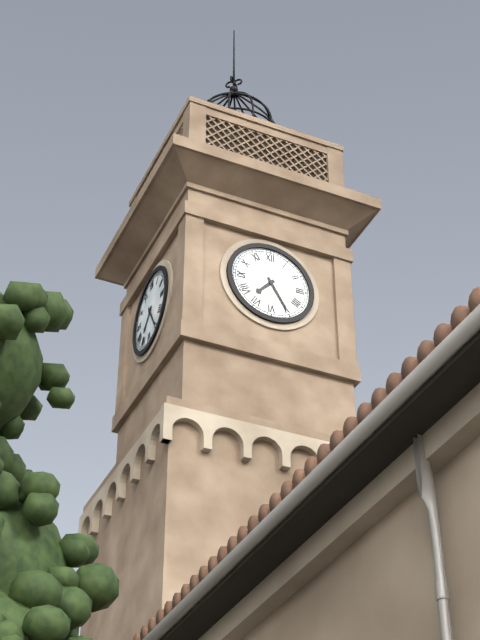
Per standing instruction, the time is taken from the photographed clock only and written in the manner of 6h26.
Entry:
7h25
